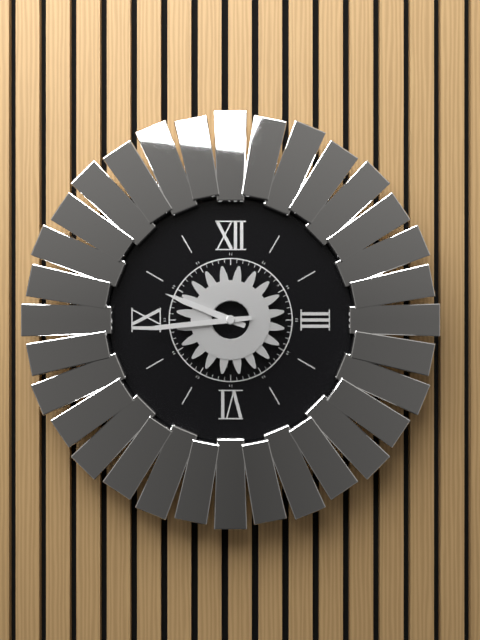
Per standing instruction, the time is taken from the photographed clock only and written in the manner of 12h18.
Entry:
9h44
